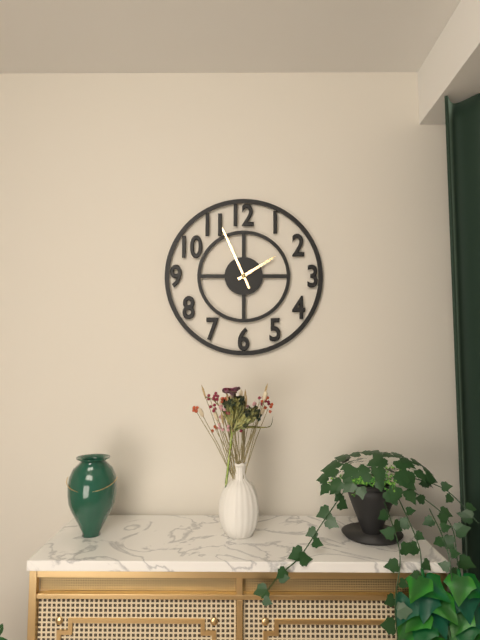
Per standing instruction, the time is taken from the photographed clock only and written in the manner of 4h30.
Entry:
1h56
